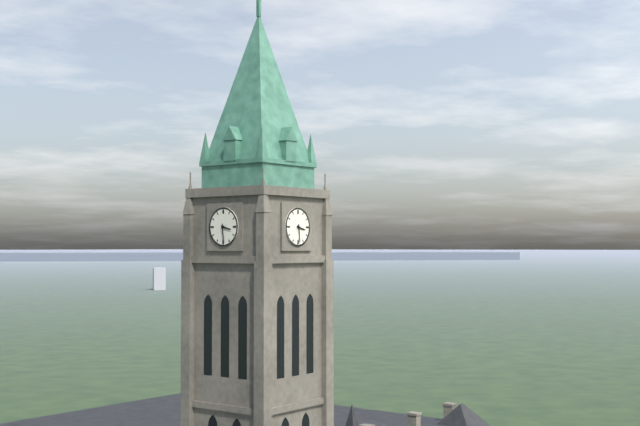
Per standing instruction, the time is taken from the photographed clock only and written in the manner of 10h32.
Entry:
3h29
